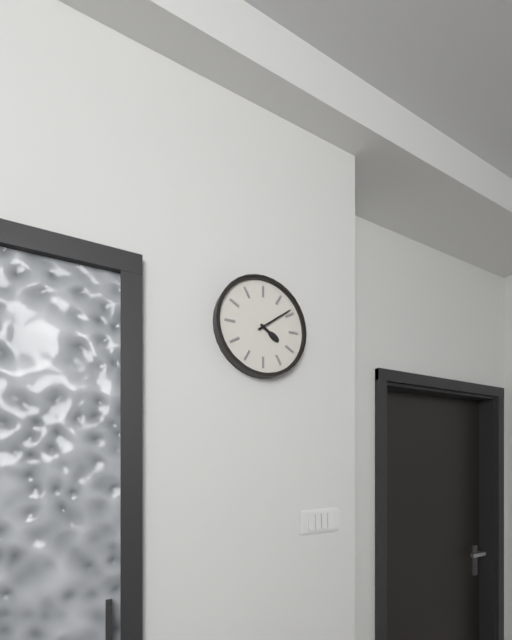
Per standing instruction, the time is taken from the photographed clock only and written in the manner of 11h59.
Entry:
4h09
